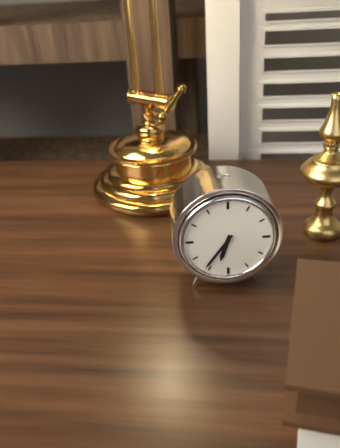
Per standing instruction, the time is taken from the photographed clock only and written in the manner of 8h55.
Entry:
6h36
